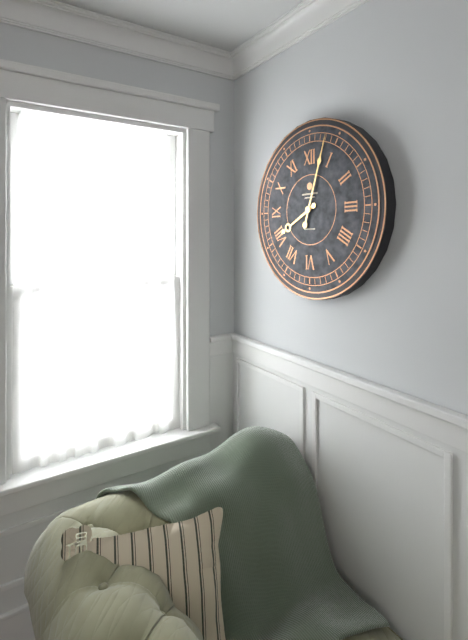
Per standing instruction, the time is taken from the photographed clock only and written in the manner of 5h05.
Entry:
8h03
